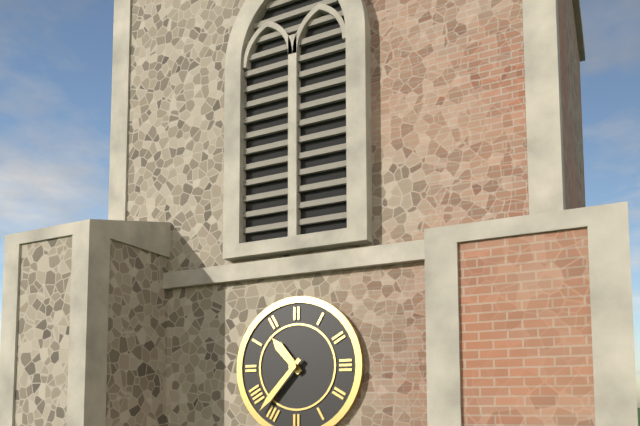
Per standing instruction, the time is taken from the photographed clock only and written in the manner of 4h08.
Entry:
10h37
